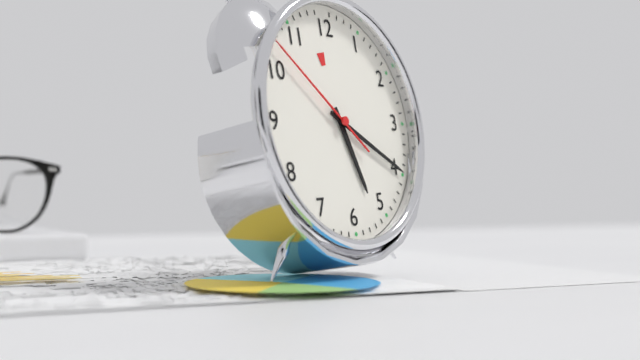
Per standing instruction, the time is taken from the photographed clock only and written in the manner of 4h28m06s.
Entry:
5h20m52s
